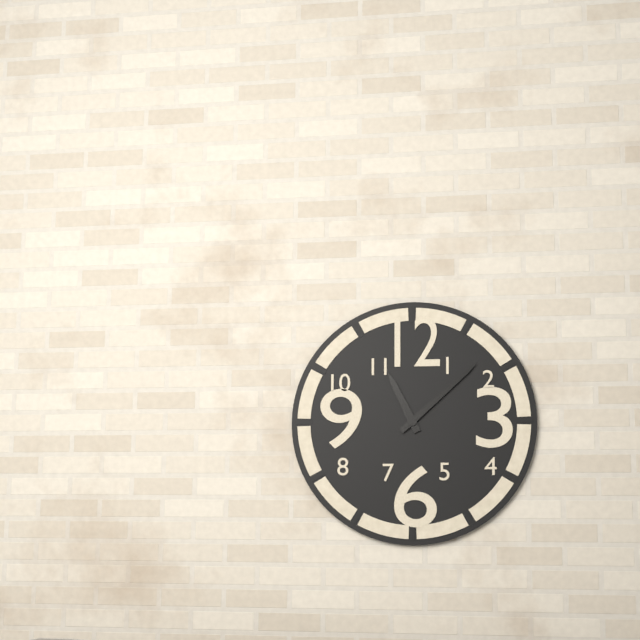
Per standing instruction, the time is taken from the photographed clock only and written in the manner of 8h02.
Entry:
11h08
